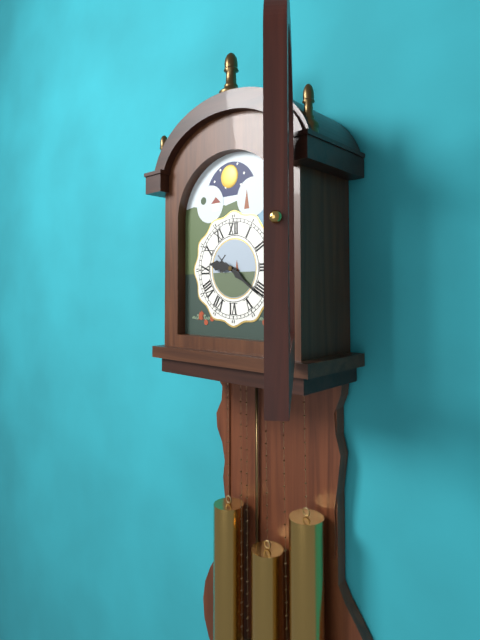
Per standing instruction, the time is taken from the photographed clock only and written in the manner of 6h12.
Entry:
9h21
